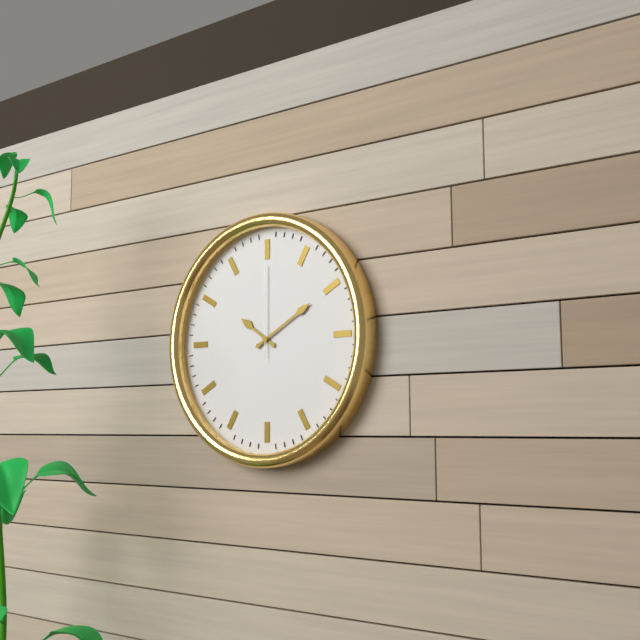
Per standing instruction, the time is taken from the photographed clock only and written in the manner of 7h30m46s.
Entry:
10h10m00s
